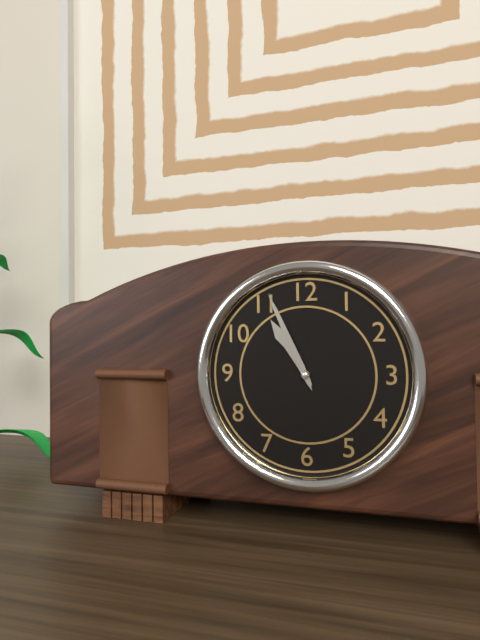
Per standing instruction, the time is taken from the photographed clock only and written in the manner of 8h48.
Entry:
10h56
